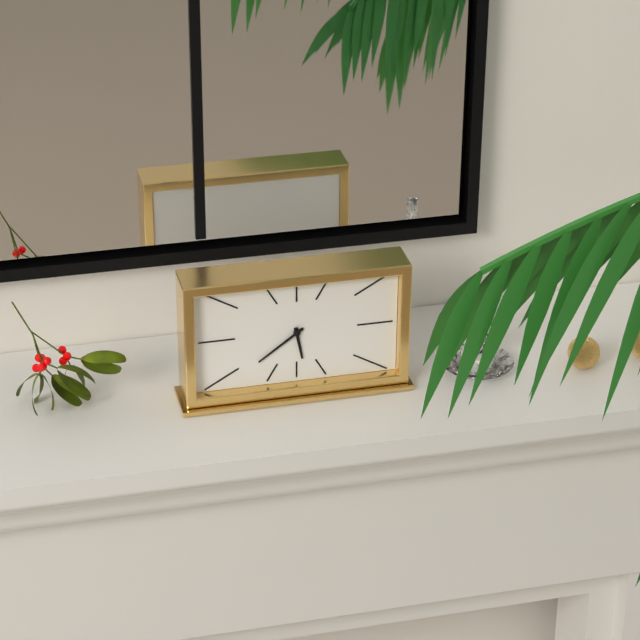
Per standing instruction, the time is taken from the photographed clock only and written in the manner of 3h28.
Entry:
5h39
